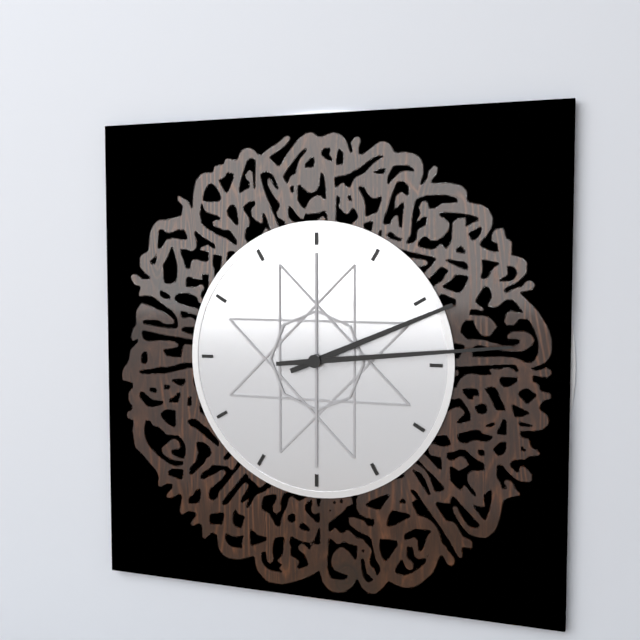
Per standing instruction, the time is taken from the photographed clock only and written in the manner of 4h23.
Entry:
2h14
